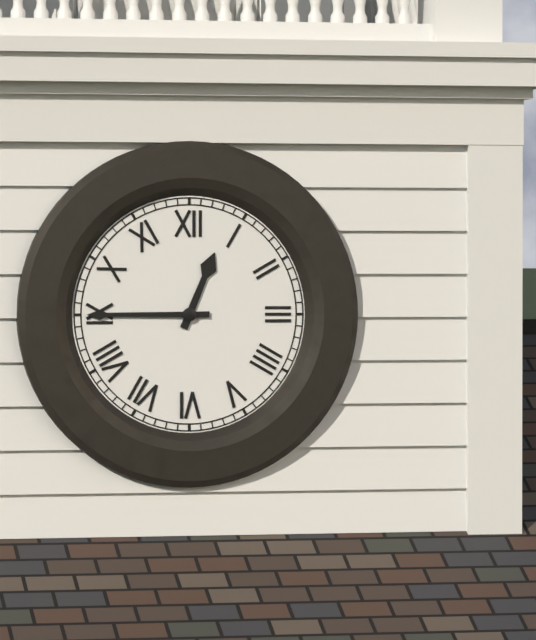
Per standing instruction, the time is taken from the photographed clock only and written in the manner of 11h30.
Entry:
12h45
